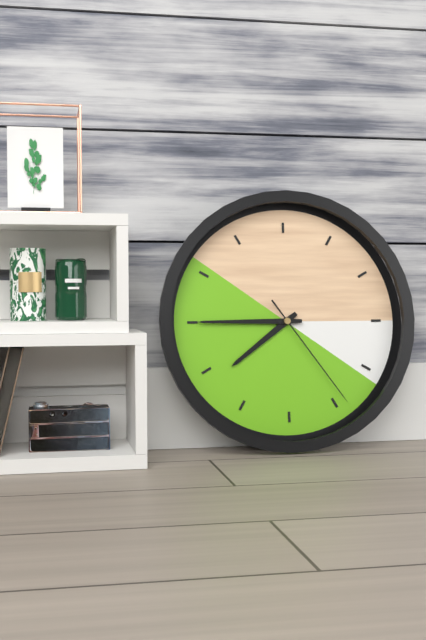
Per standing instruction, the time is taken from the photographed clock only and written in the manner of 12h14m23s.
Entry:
7h45m24s
